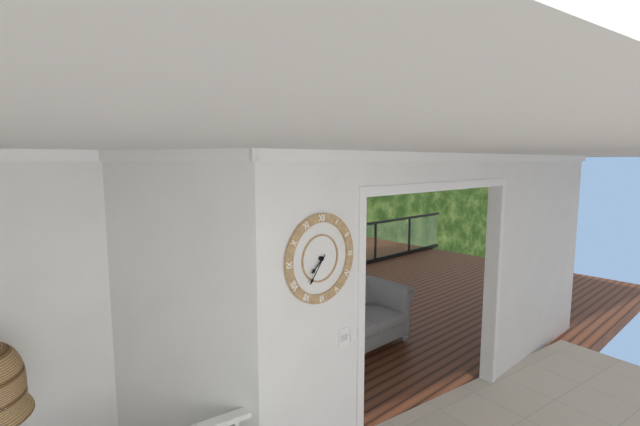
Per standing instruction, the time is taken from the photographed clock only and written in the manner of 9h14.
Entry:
7h36
